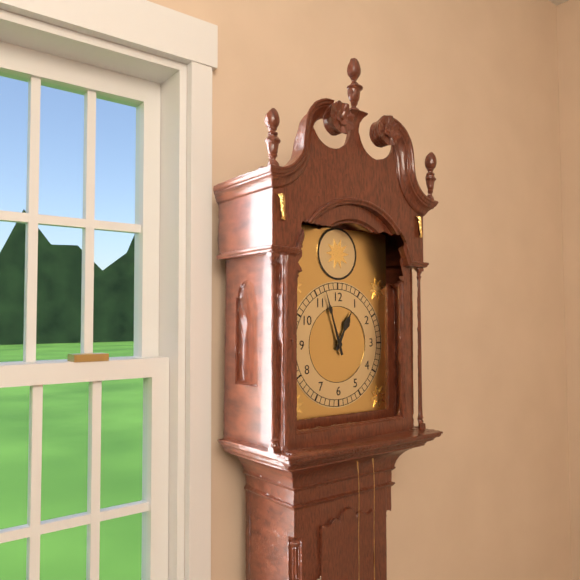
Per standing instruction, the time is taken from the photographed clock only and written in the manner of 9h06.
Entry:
12h57
